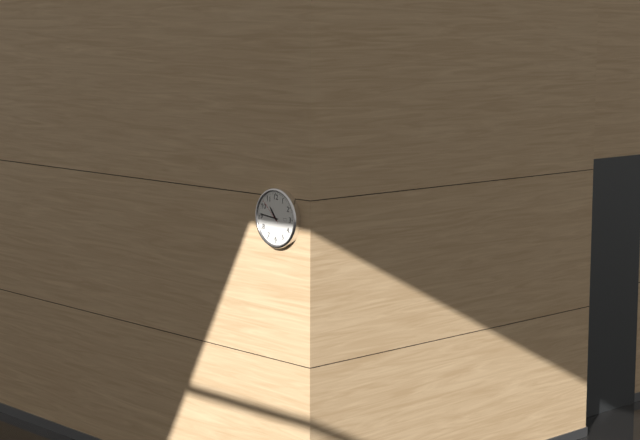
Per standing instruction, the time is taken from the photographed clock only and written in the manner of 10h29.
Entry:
10h46
